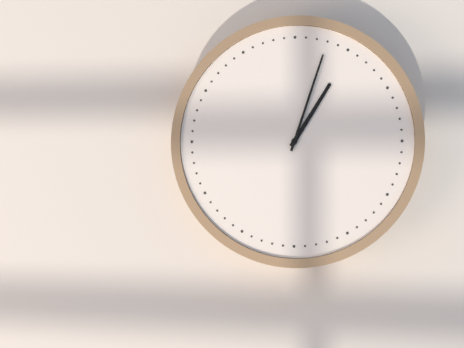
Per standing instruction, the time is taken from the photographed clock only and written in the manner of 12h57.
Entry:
1h03
